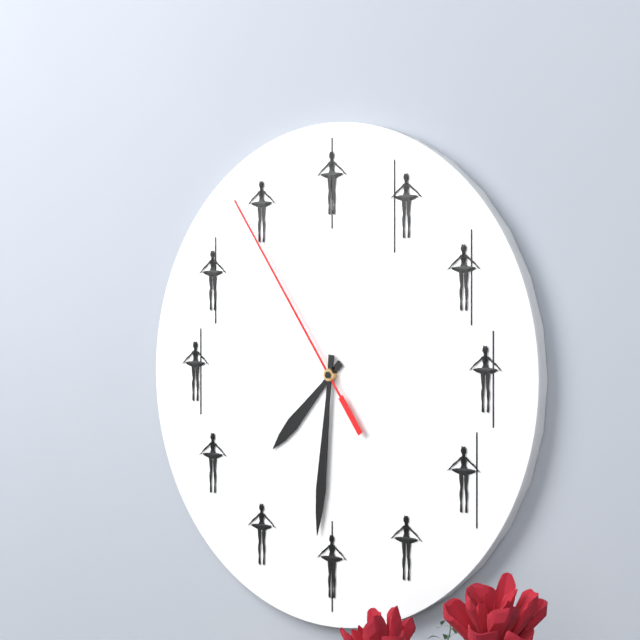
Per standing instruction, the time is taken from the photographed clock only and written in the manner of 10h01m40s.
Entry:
7h31m54s
